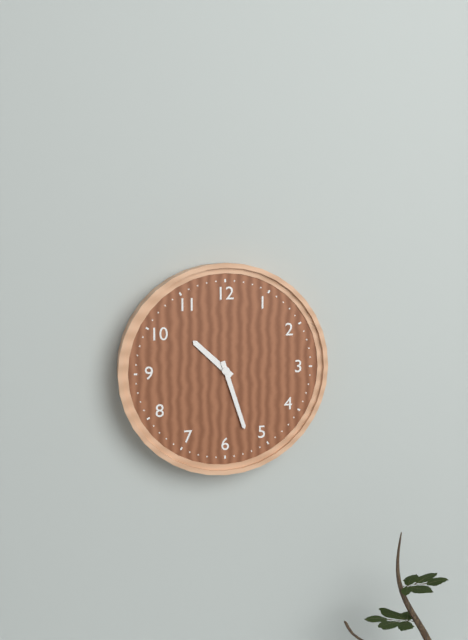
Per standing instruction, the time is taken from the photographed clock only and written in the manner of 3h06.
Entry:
10h27
